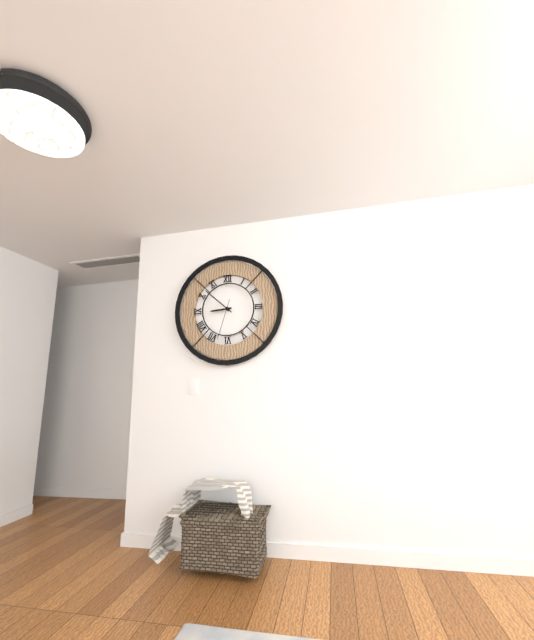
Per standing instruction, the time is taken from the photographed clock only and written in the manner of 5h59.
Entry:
8h52
